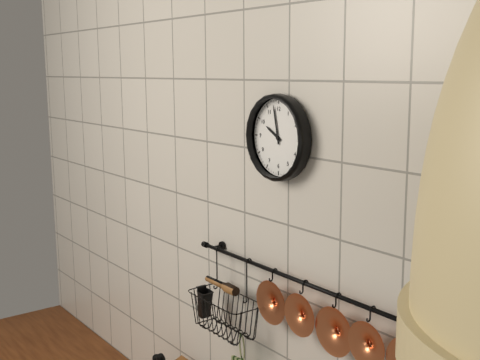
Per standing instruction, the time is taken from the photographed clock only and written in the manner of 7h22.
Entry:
9h58
